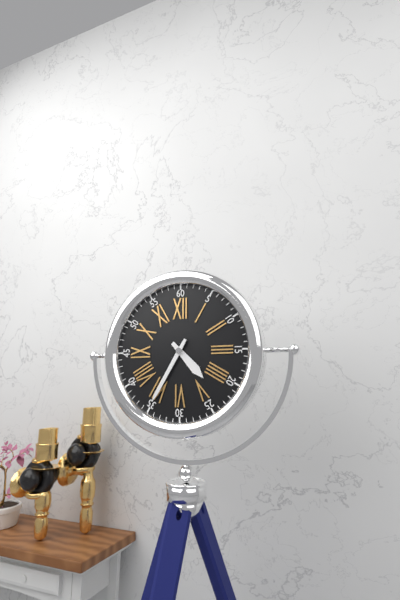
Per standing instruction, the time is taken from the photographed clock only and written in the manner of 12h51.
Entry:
4h35
